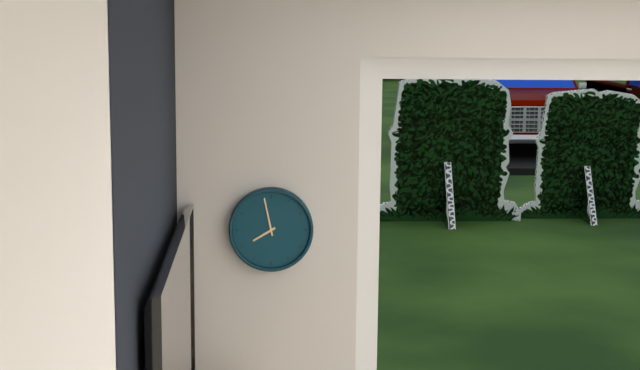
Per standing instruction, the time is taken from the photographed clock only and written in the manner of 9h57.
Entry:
7h58
